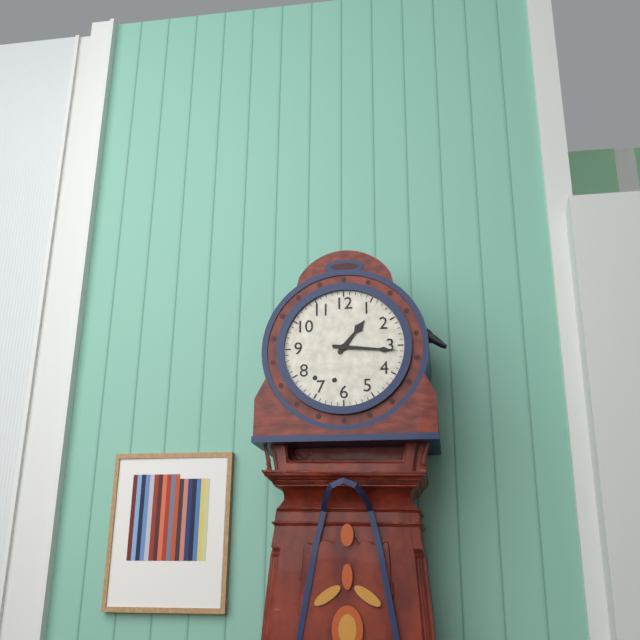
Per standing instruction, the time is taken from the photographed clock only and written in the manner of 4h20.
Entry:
1h16
